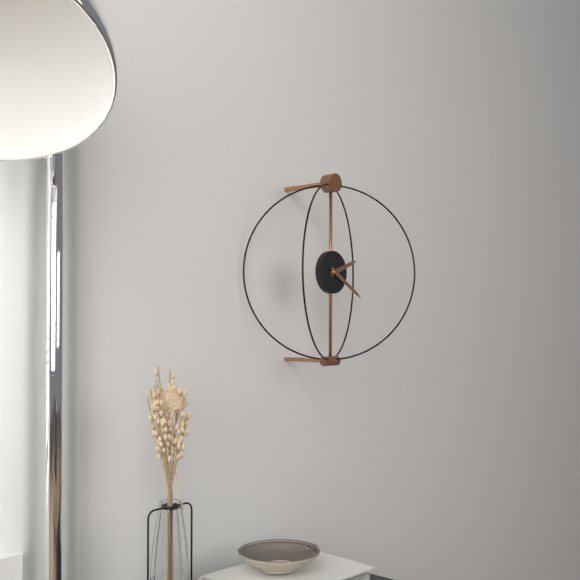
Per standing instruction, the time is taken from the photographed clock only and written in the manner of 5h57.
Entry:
2h20
